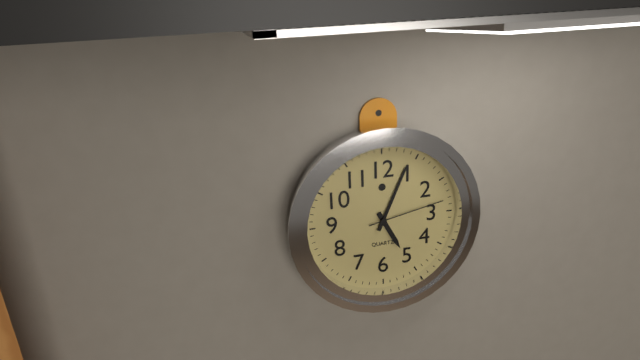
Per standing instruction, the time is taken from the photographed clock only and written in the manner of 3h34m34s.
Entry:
5h04m13s
